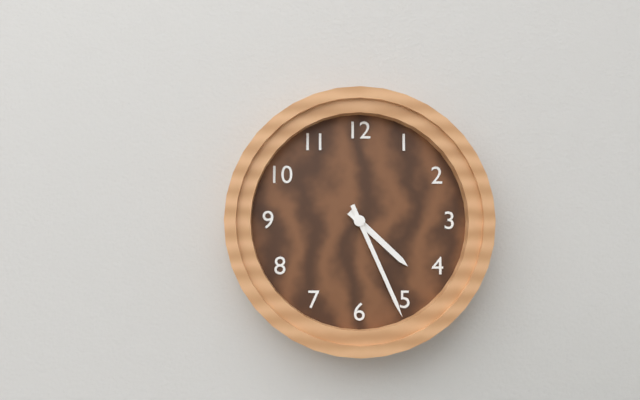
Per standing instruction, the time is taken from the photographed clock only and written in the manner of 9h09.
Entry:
4h26
